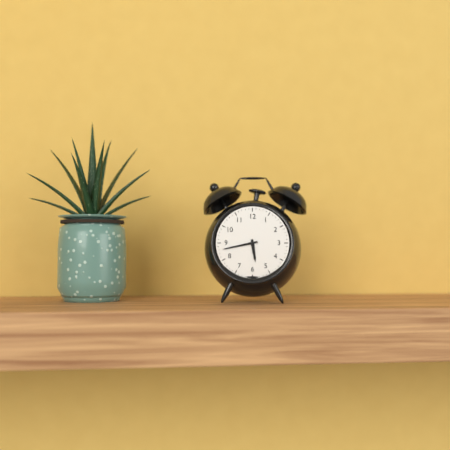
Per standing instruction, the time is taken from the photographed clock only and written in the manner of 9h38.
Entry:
5h43
